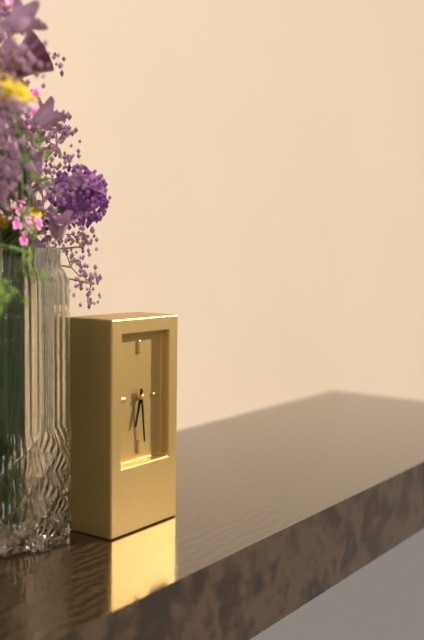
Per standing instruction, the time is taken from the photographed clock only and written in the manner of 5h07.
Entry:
6h29
